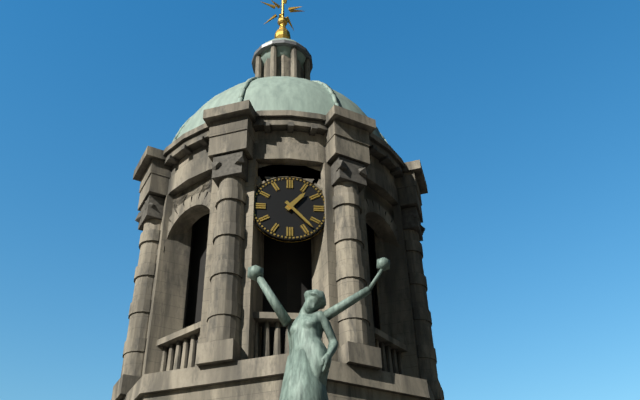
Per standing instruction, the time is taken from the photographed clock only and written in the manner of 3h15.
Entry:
1h23
